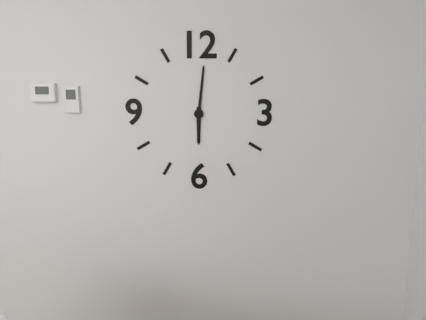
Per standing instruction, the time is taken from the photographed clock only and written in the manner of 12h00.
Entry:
6h01
